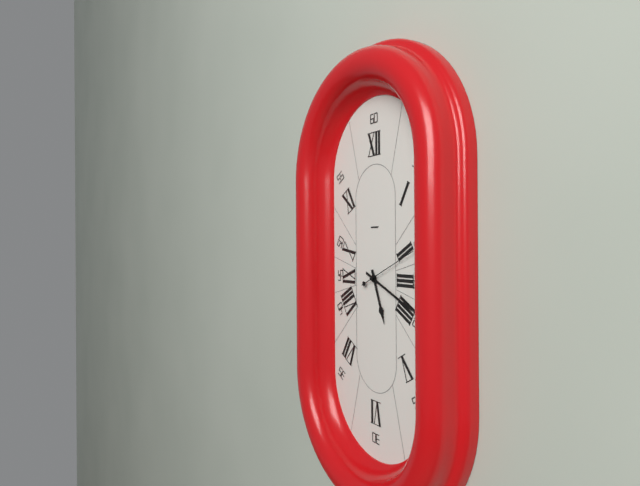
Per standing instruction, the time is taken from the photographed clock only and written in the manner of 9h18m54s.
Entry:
5h19m11s
